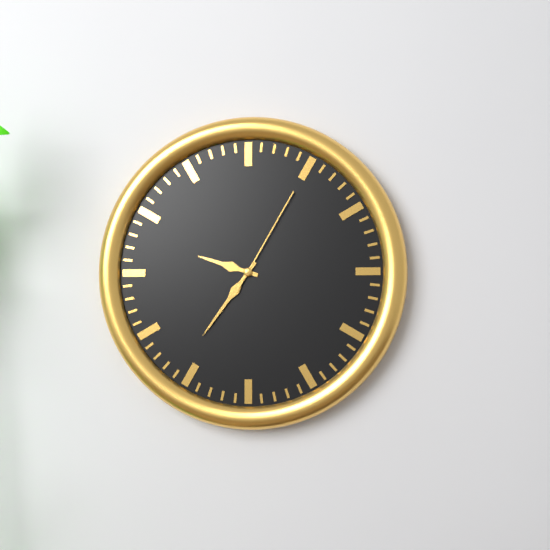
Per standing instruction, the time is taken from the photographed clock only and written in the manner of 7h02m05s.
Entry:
9h36m05s
